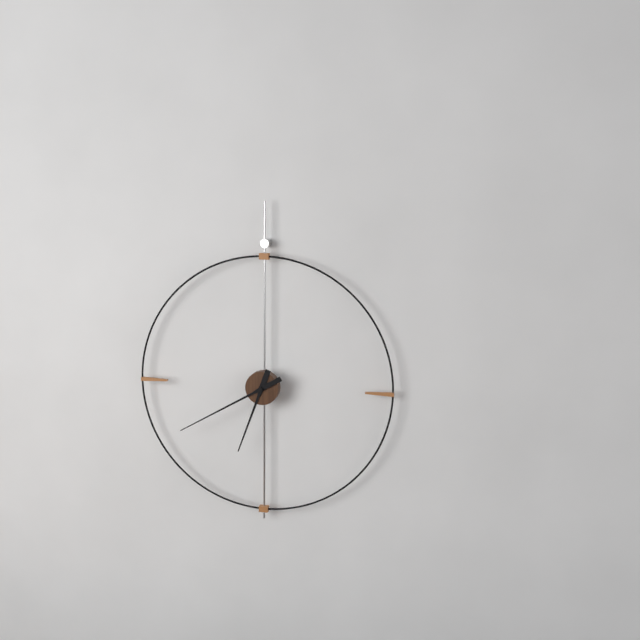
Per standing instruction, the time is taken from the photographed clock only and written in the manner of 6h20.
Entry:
6h40
